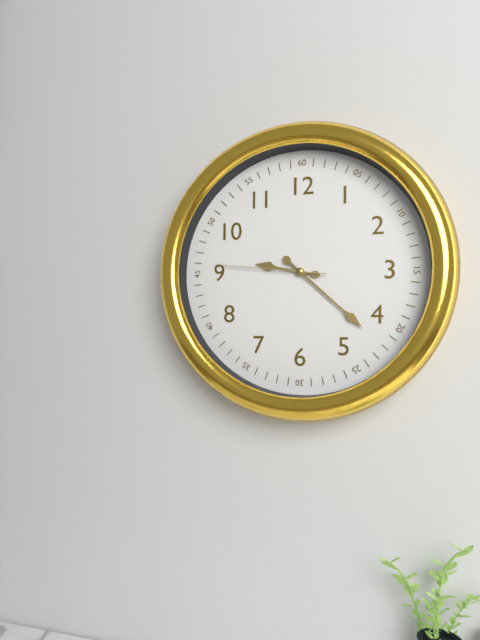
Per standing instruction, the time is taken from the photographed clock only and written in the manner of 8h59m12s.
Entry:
9h22m46s
